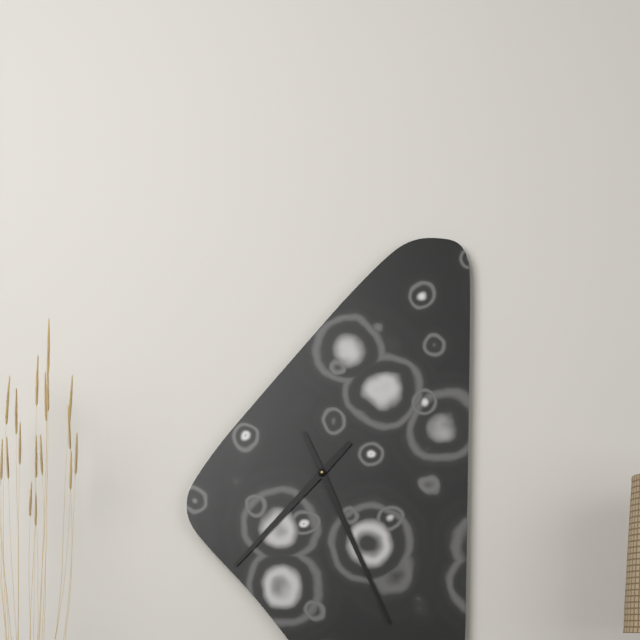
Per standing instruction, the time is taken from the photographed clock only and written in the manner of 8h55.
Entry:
7h26
